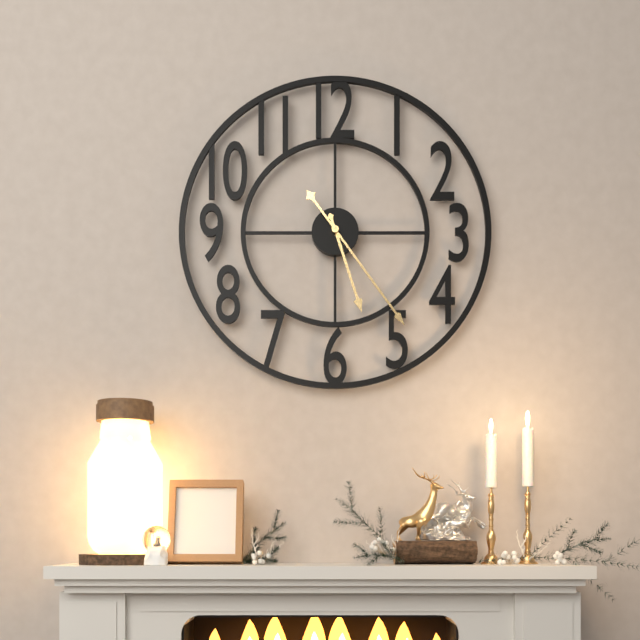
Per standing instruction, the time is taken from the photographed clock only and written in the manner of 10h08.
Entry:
5h24
